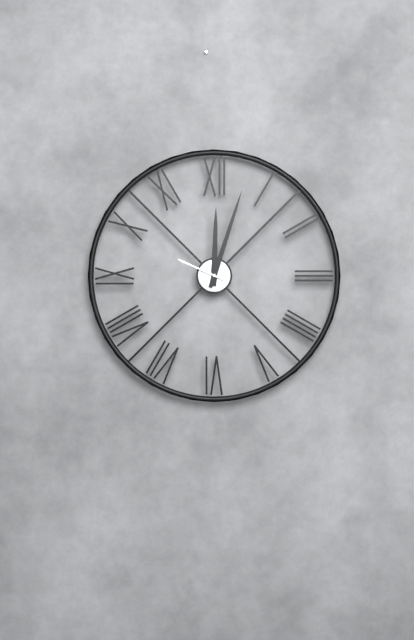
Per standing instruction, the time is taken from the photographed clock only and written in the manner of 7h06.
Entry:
12h03
